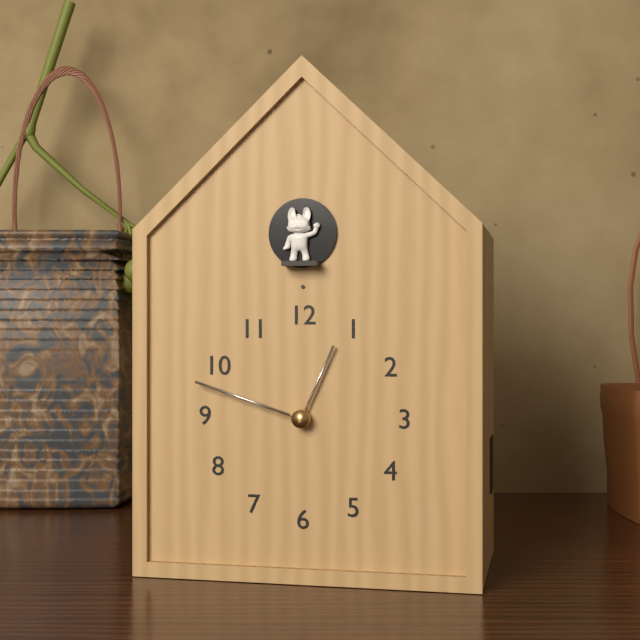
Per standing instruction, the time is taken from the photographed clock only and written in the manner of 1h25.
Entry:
12h48
